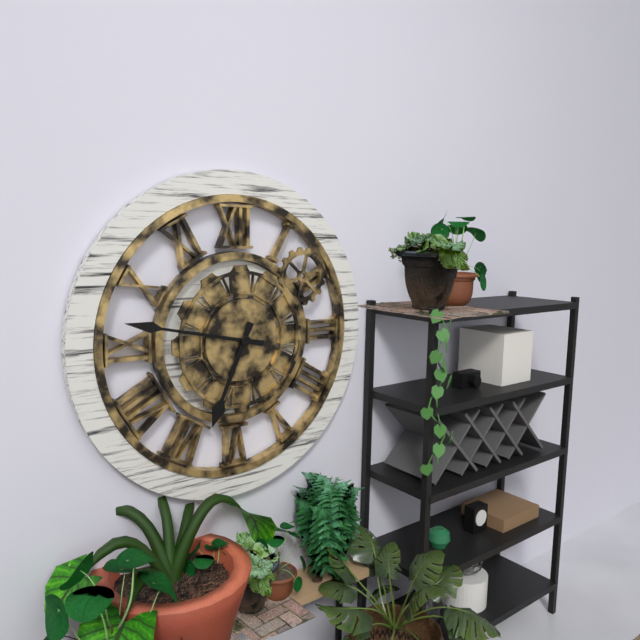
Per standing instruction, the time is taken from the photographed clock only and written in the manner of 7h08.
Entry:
6h47
